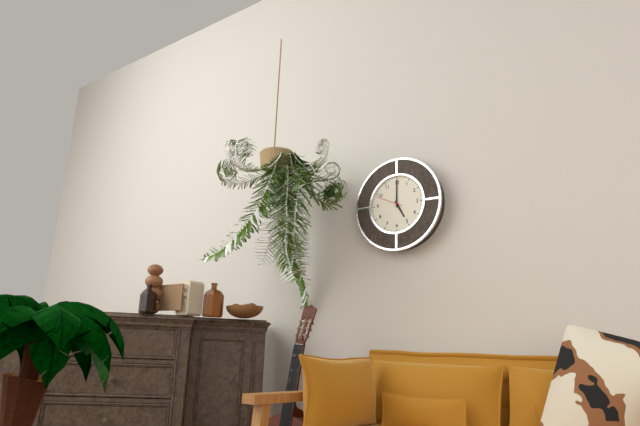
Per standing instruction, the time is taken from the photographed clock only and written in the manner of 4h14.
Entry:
5h00
